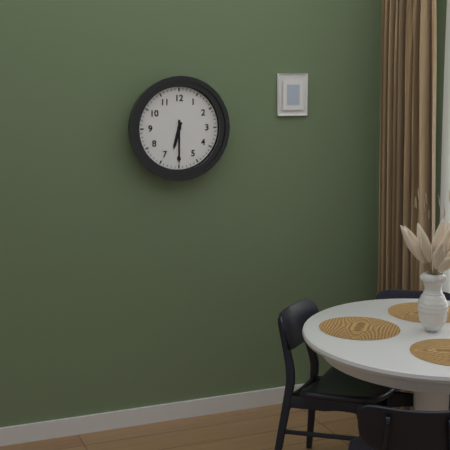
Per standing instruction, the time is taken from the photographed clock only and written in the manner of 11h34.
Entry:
6h30
